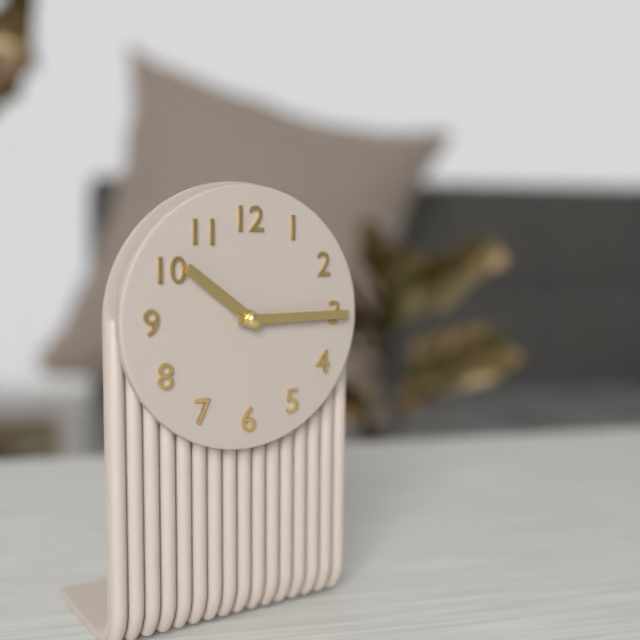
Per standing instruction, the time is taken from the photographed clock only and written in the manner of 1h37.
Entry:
10h15
